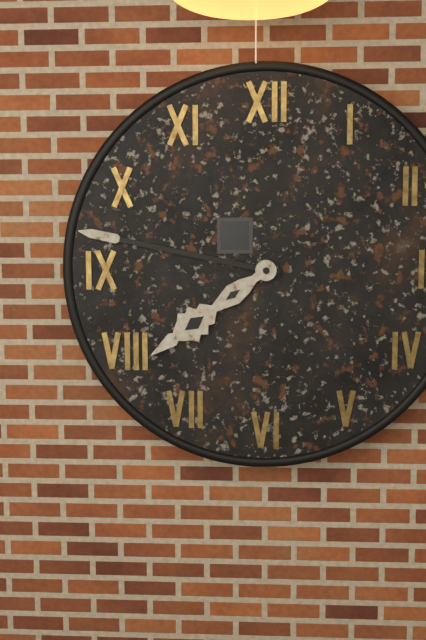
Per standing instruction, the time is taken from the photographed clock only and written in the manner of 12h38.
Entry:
7h47
